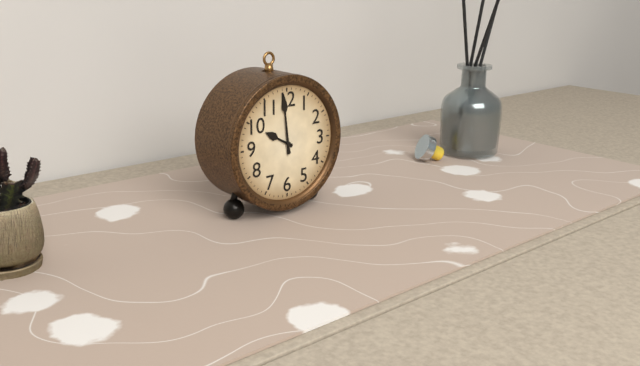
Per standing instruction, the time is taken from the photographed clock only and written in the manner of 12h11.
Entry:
9h59
